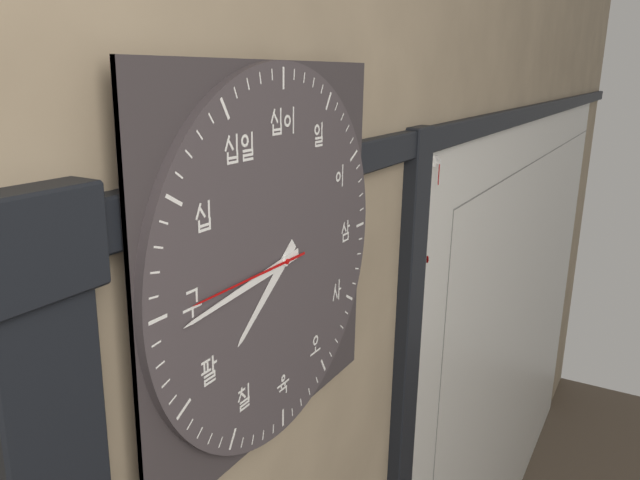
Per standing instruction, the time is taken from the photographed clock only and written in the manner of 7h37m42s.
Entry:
7h44m45s
